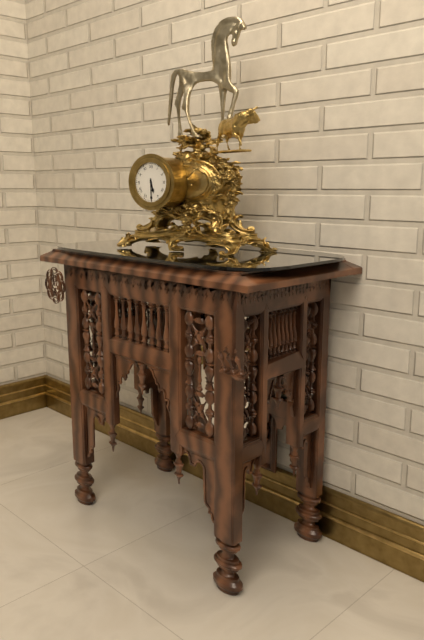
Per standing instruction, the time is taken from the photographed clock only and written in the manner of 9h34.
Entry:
5h30
